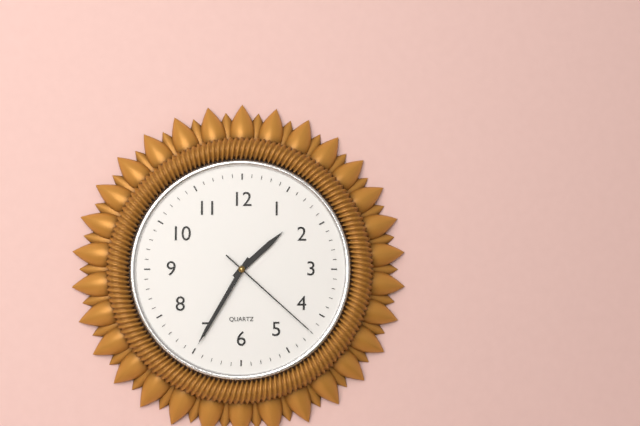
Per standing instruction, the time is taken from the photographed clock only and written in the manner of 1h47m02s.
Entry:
1h35m22s
